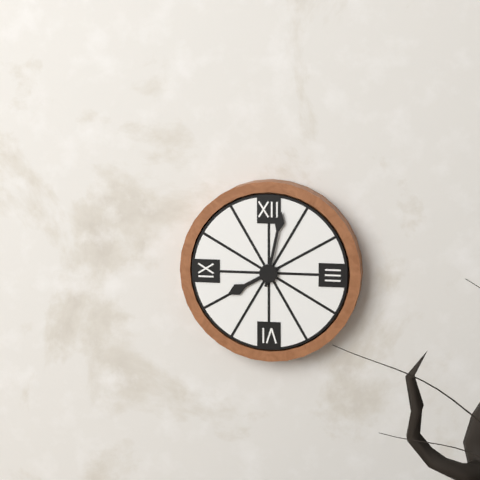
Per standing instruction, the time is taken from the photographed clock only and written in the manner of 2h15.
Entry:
8h02
